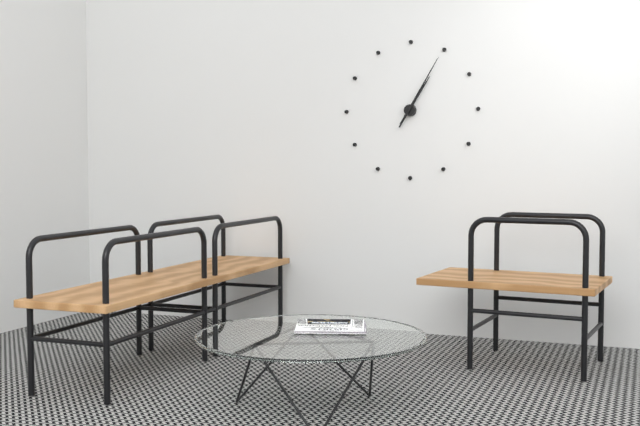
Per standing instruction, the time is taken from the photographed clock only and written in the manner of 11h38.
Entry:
1h05
